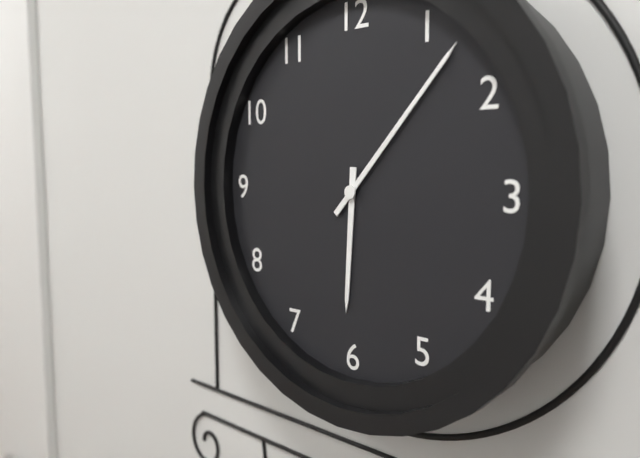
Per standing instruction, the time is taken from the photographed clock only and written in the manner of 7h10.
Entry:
6h07
